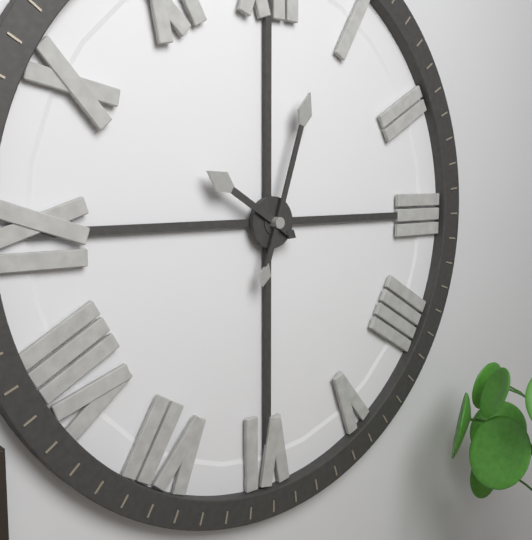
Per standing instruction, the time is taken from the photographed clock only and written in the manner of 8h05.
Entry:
10h03
